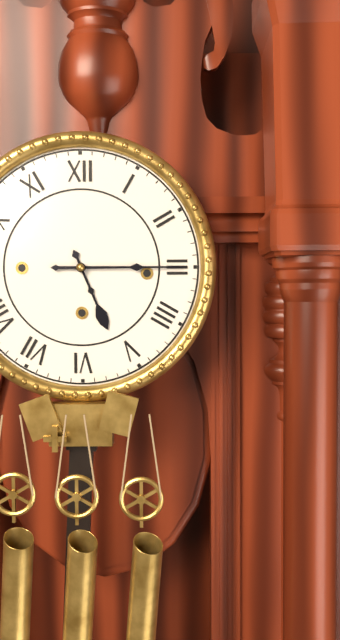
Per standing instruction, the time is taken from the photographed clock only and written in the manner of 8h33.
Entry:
5h15
